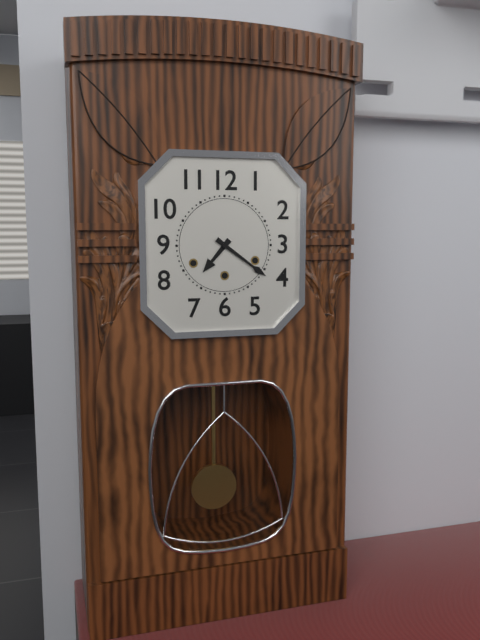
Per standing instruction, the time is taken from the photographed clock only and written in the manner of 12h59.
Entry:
7h21
